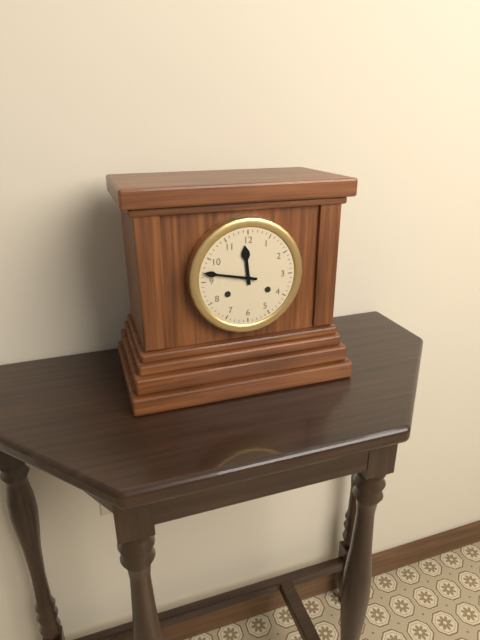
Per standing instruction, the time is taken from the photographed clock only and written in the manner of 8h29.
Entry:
11h47
